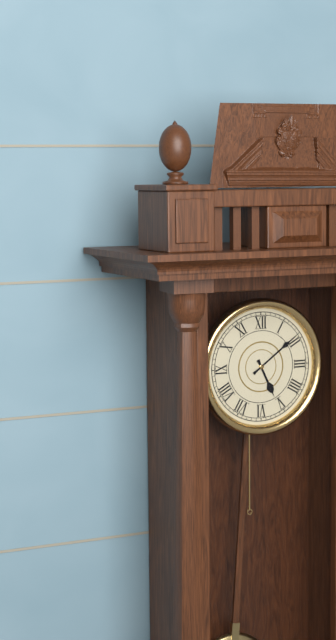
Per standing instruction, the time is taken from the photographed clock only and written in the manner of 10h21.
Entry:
5h09
